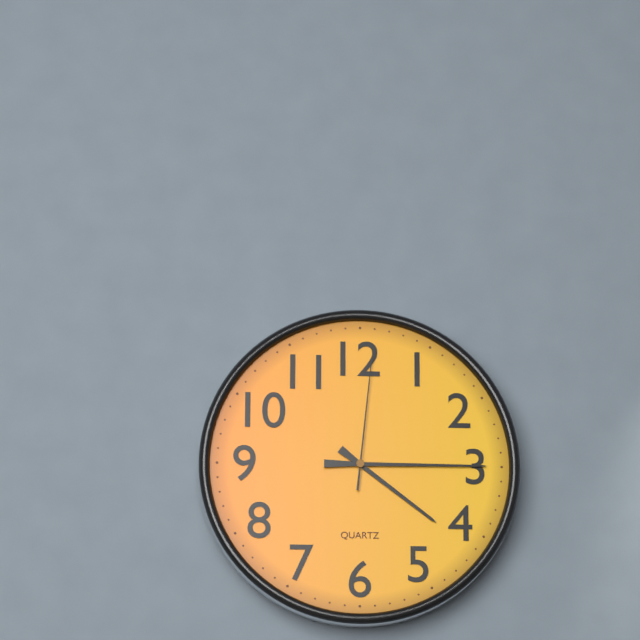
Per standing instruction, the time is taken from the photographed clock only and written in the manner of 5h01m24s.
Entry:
4h15m01s
